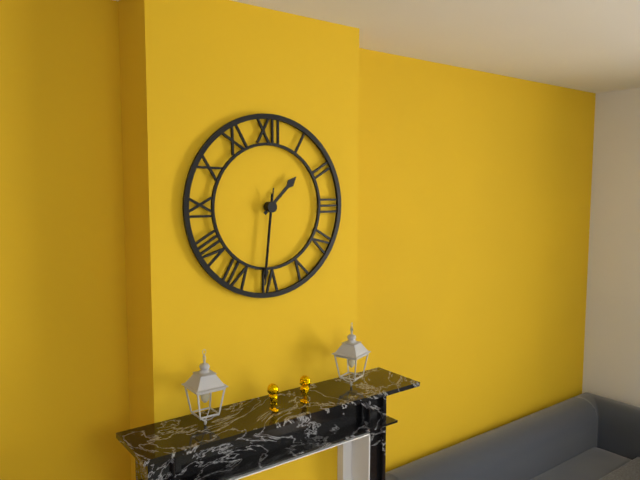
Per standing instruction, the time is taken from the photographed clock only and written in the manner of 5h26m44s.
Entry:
1h31m31s
